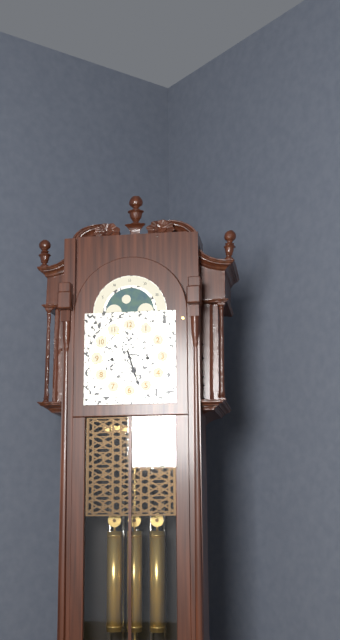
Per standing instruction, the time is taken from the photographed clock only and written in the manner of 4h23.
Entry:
5h27
